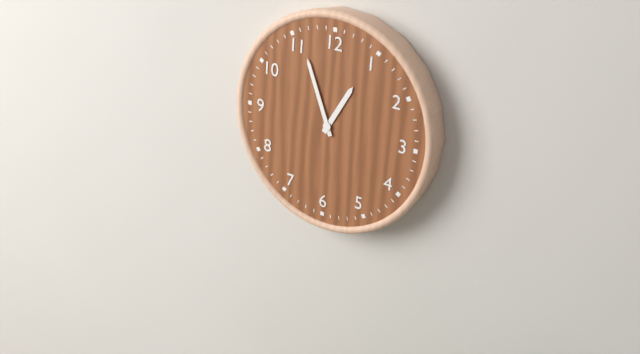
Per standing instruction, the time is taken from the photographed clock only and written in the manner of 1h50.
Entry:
12h56
